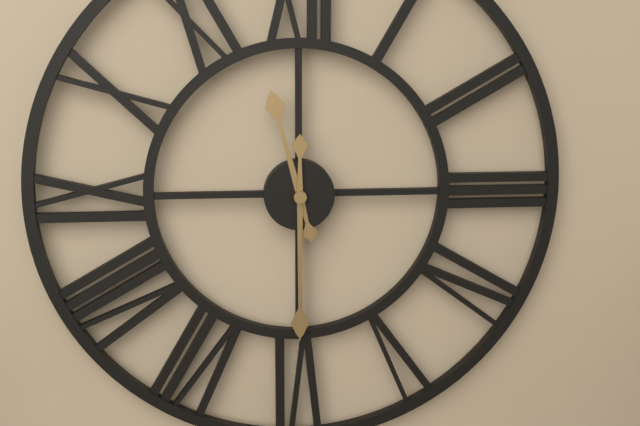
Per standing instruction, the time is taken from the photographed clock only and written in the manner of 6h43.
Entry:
11h30
